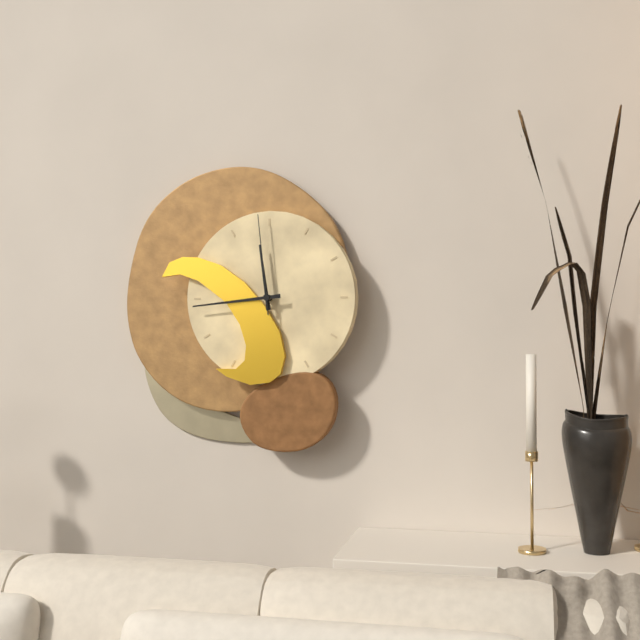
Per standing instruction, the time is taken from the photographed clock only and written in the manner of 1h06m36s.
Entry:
11h44m59s
